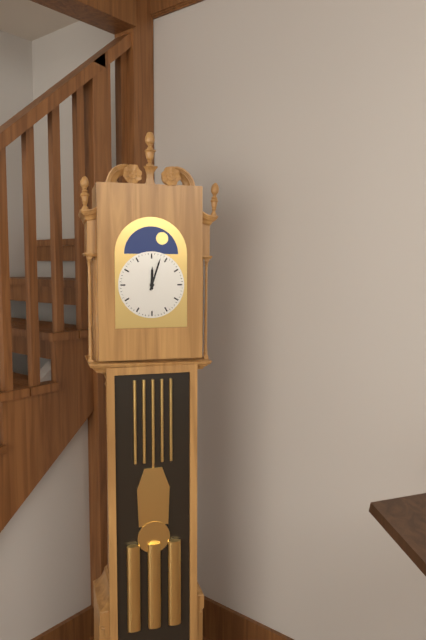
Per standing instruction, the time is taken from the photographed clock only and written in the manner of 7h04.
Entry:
12h03
